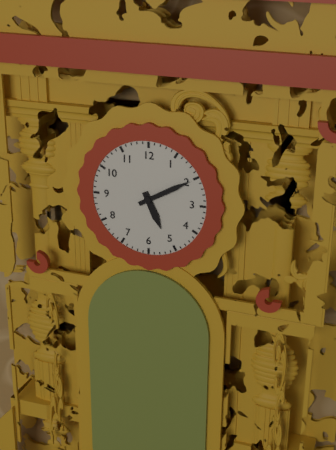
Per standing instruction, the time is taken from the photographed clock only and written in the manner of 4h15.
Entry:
5h10
